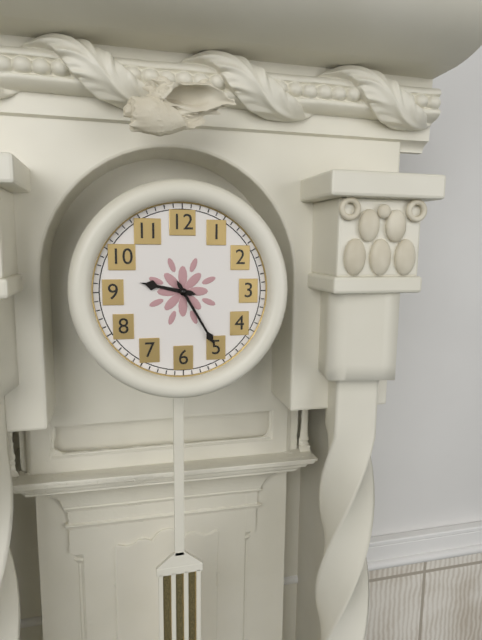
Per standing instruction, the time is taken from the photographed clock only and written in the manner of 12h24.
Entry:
9h25
